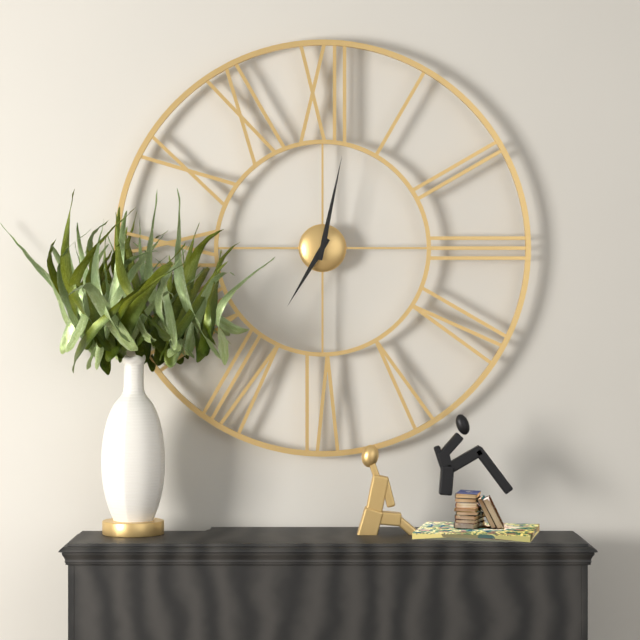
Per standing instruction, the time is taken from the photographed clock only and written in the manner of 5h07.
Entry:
7h02
